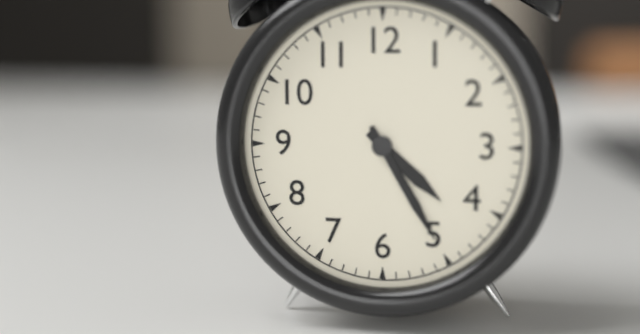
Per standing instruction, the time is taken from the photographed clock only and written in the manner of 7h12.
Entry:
4h25
